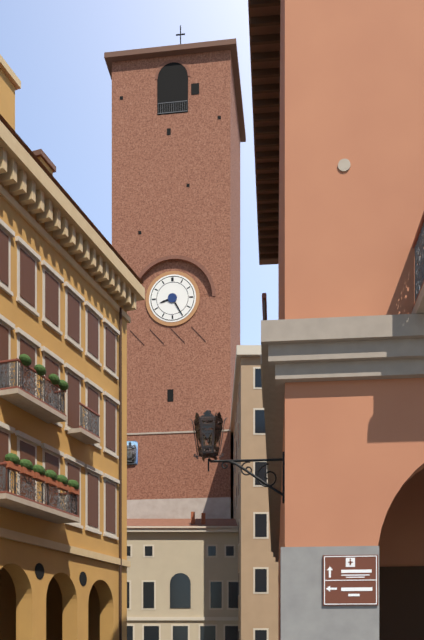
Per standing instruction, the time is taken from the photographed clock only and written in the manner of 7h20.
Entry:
8h25
